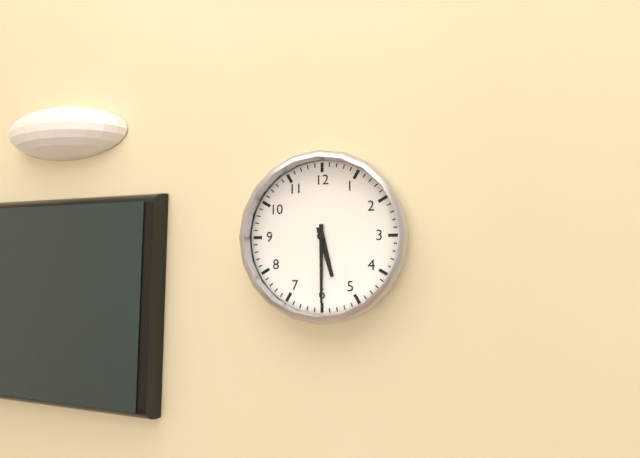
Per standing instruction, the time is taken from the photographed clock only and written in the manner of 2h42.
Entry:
5h30
